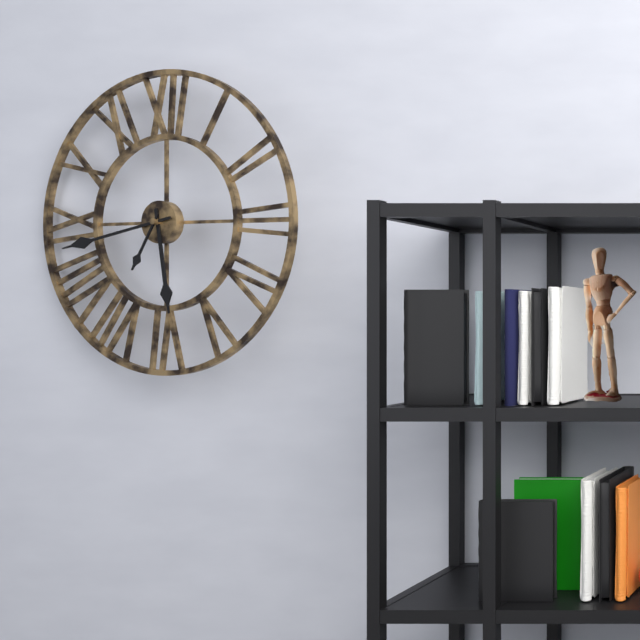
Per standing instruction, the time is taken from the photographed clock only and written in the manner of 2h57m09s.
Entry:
5h43m35s
